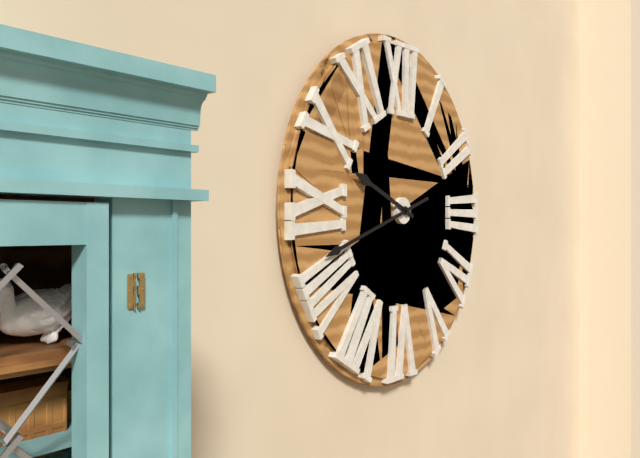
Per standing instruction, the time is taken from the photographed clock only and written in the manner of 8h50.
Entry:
9h42
